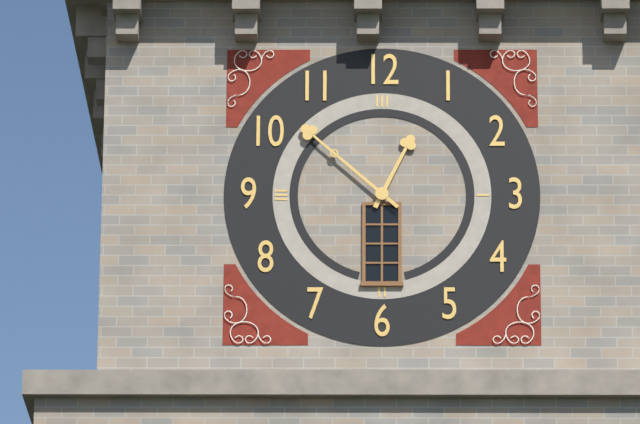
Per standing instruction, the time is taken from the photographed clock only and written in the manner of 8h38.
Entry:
12h52
